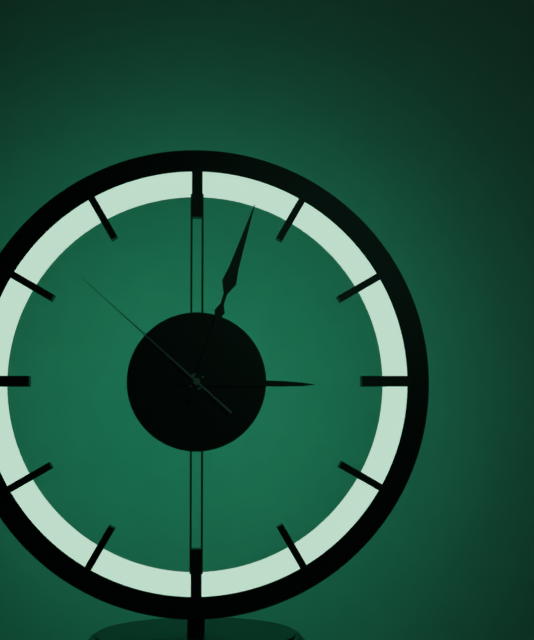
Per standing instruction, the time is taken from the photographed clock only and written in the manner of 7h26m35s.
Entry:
3h03m52s
